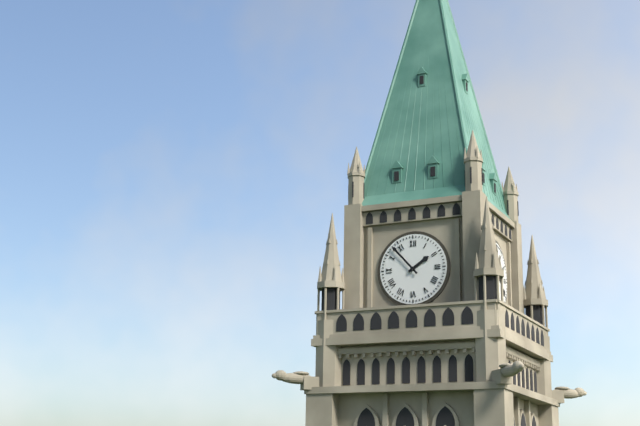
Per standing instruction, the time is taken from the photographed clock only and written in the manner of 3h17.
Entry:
1h53
